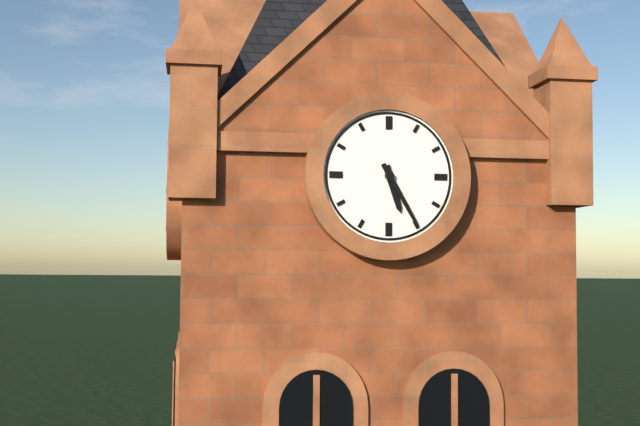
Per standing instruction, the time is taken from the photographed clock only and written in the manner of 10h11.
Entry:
5h25
